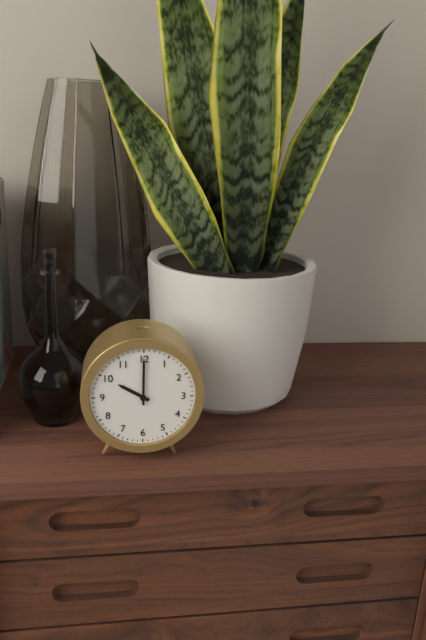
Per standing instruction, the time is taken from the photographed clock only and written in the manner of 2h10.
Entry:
10h00
